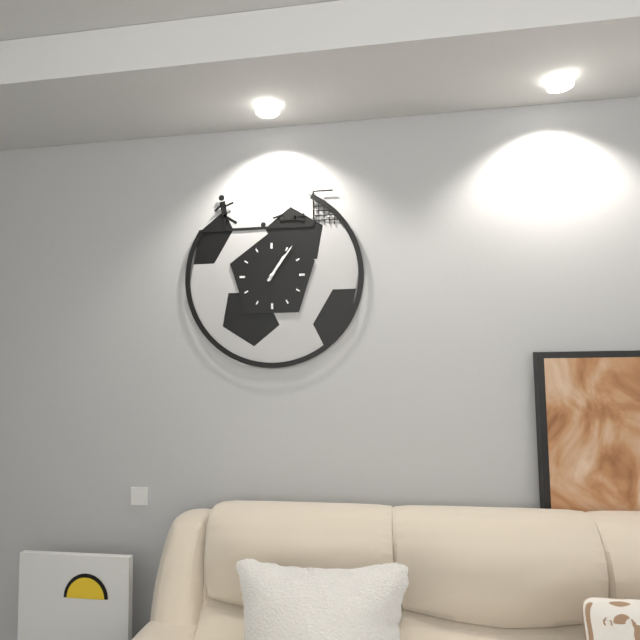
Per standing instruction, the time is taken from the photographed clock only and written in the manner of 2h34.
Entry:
1h06
